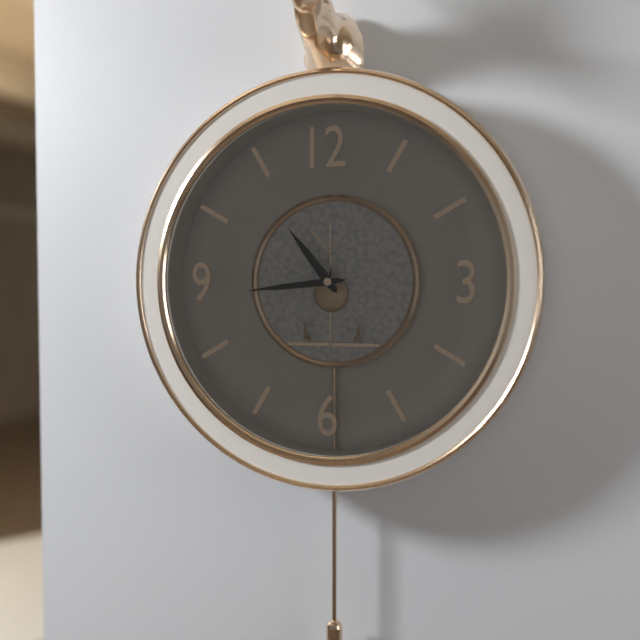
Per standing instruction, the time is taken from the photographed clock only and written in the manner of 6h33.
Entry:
10h44
